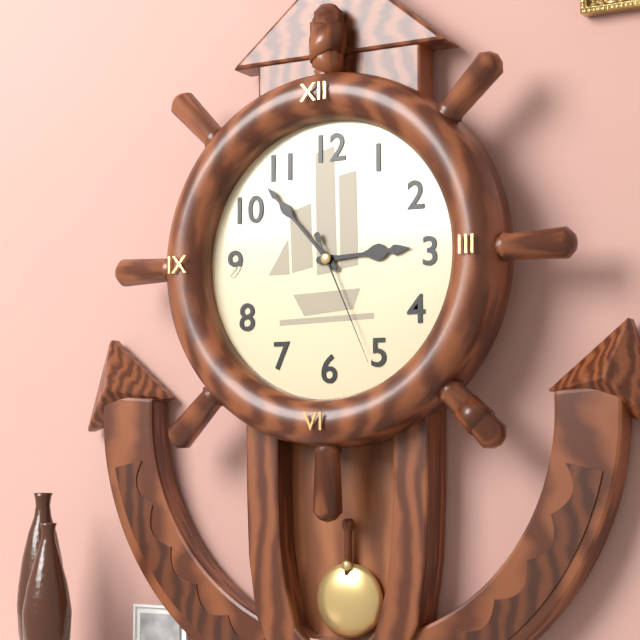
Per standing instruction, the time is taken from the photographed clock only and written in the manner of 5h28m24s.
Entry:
2h53m26s
